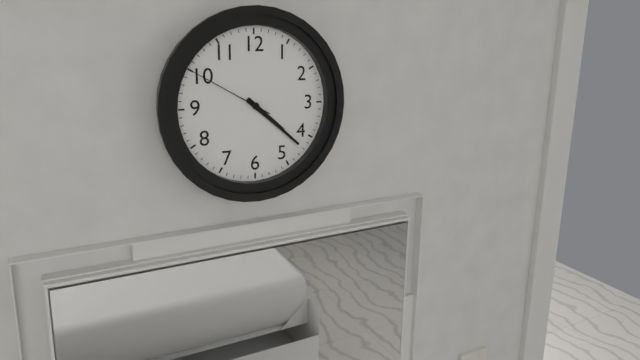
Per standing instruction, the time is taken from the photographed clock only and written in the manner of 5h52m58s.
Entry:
4h22m50s
